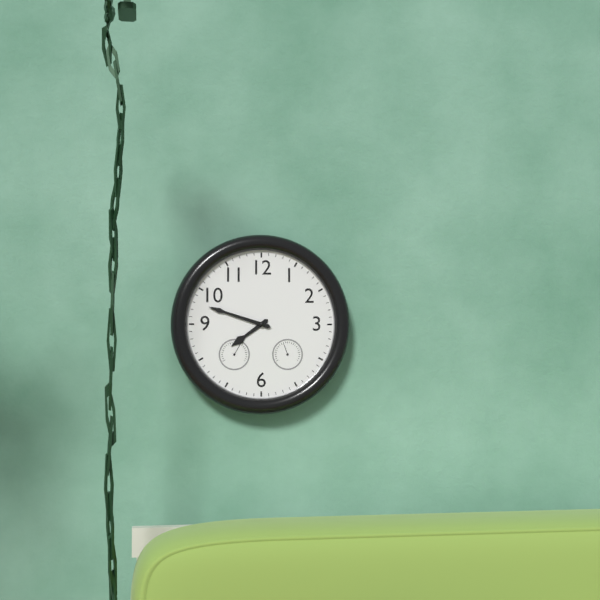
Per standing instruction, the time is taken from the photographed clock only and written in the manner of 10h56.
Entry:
7h48
